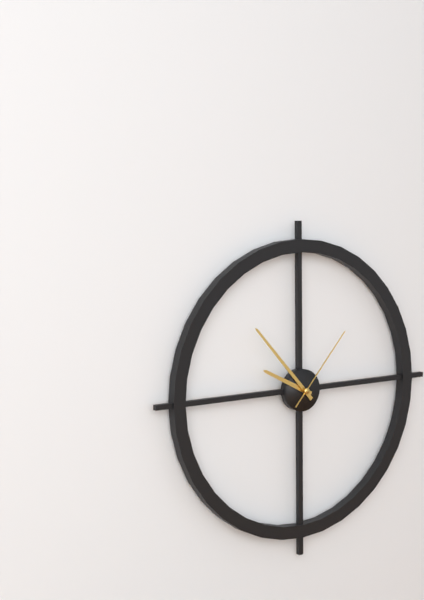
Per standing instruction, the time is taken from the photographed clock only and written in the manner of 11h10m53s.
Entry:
9h53m07s
